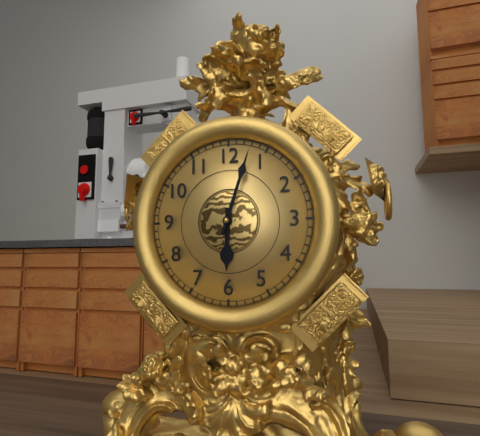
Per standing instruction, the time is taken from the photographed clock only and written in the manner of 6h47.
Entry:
6h03
